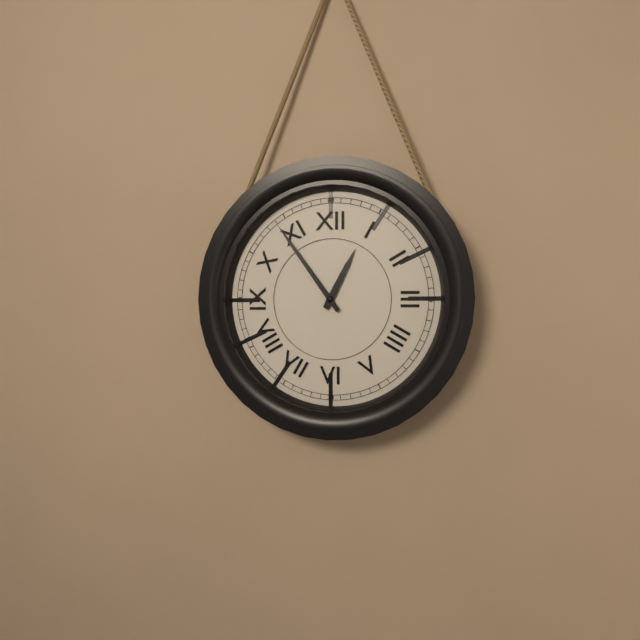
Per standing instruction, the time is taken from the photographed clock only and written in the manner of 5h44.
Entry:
12h54
